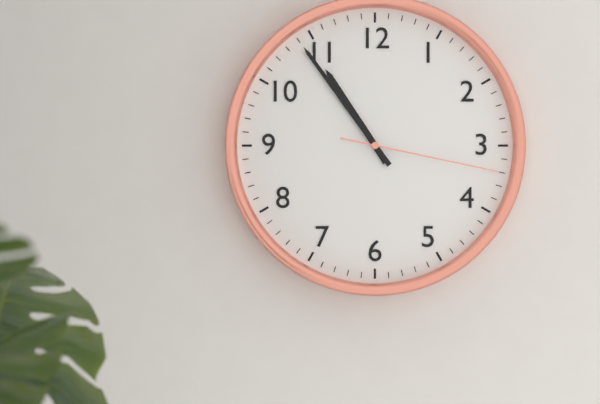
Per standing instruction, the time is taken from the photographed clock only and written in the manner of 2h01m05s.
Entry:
10h54m17s
